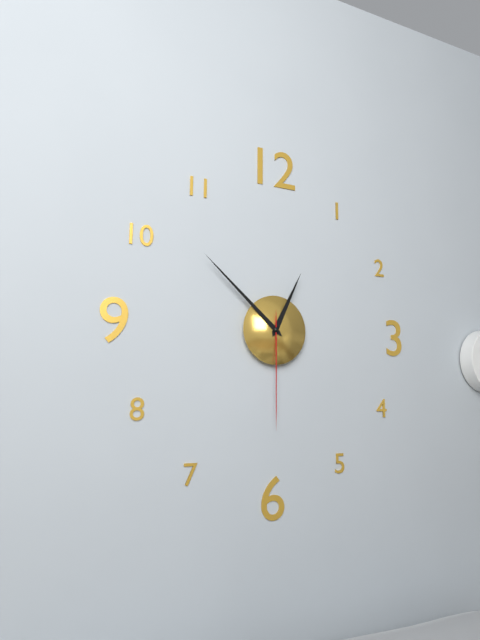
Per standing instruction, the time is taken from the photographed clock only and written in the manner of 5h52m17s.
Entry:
12h52m30s
